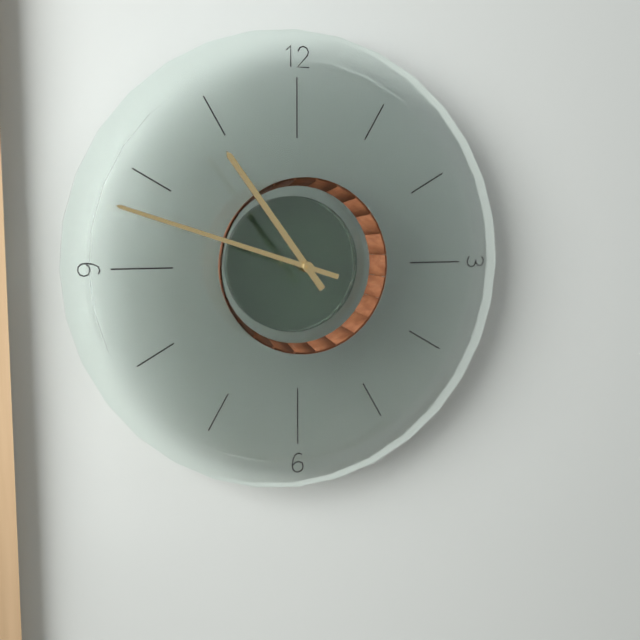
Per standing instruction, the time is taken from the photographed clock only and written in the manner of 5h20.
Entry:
10h48
